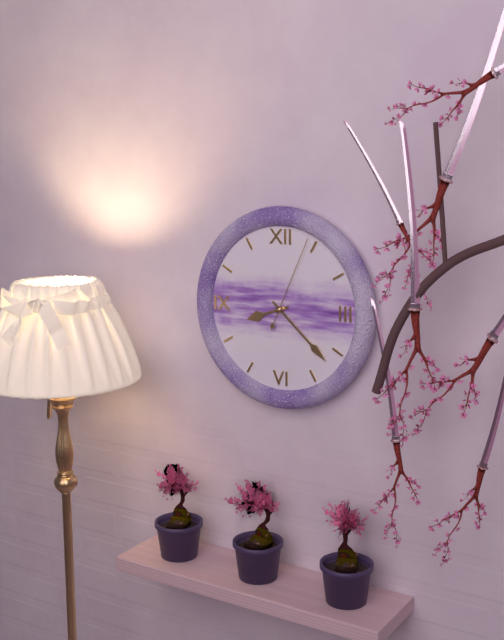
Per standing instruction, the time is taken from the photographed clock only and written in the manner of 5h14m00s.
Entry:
8h22m04s
